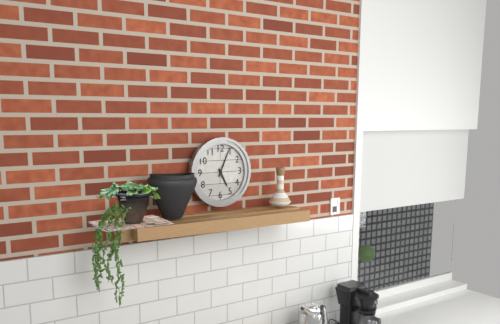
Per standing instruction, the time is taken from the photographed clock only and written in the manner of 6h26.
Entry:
5h04
